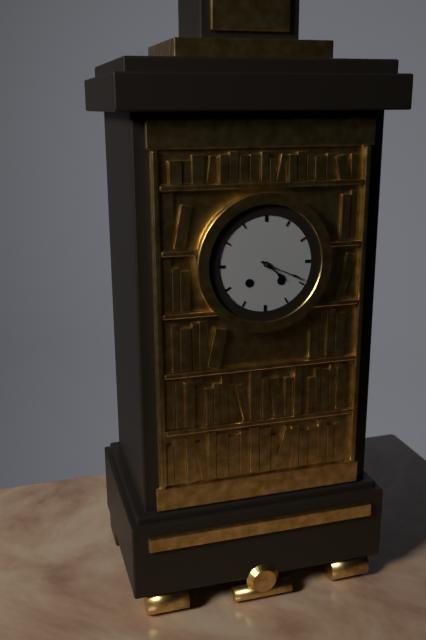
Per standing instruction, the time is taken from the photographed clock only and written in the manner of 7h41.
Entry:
4h19
